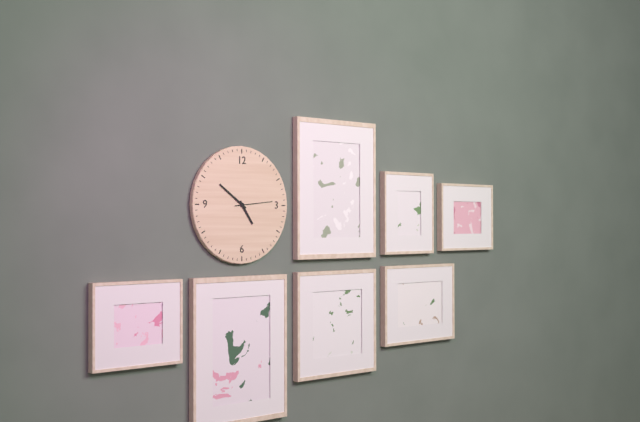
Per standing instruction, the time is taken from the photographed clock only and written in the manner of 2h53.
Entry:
4h51
